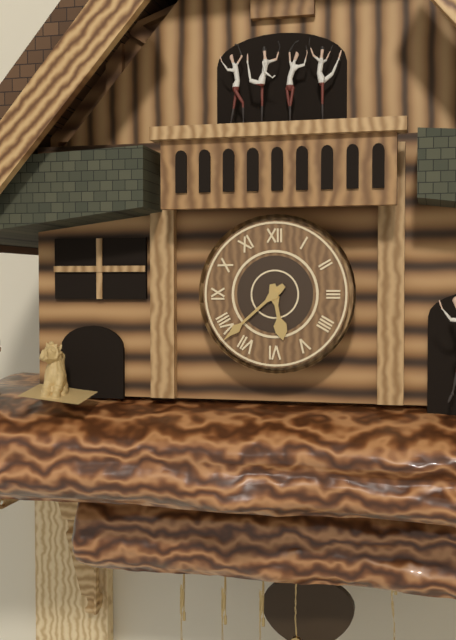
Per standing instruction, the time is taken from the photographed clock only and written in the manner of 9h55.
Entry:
5h38
